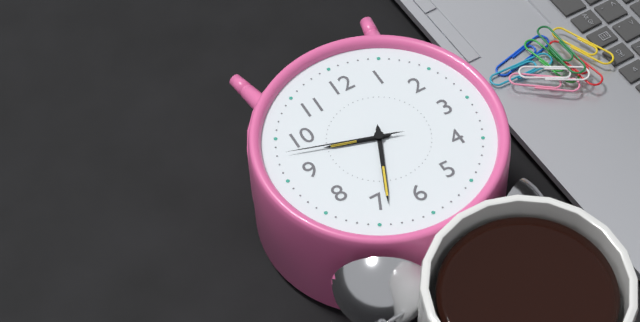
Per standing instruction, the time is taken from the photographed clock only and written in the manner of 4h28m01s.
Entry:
9h34m48s
